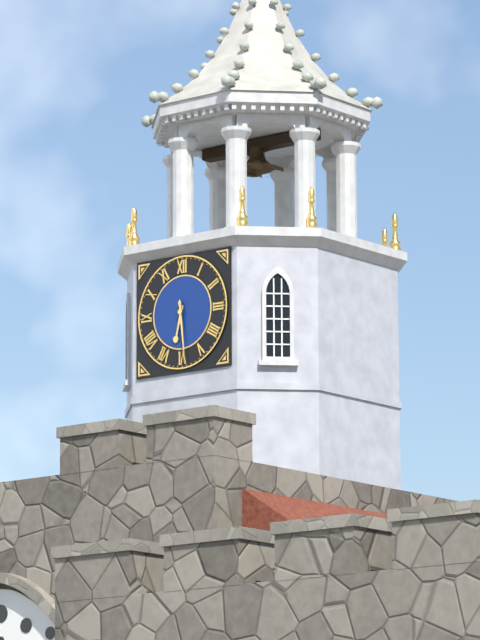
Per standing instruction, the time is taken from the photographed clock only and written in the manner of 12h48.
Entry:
6h29
